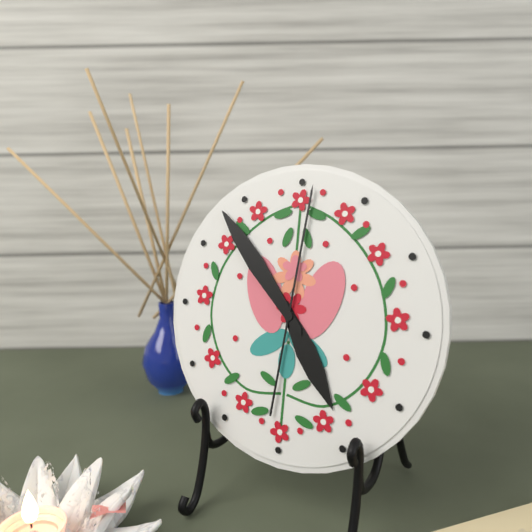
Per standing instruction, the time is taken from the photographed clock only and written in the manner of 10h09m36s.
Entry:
4h53m01s
